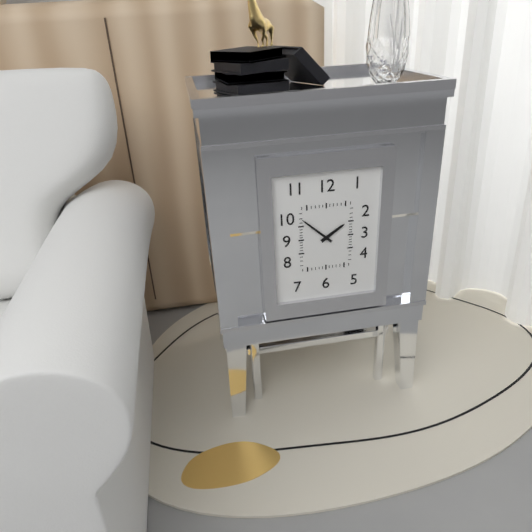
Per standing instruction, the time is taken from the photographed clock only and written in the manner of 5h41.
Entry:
1h52
